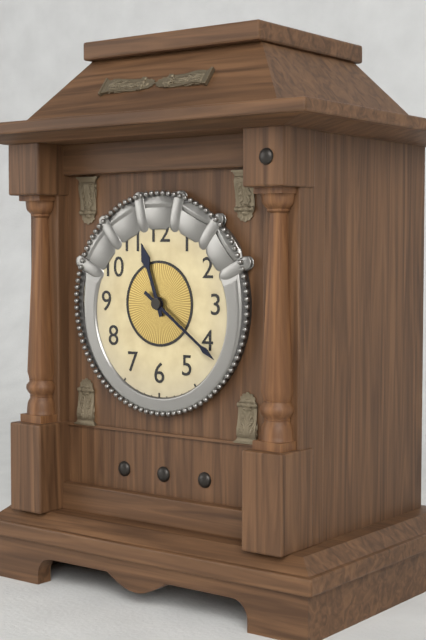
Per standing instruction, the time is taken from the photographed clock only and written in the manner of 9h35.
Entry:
11h21
